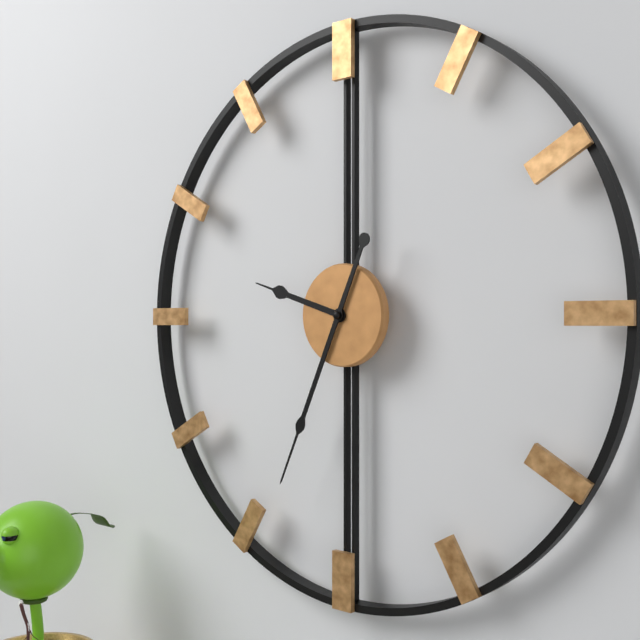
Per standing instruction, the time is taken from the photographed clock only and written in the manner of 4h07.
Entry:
9h34
